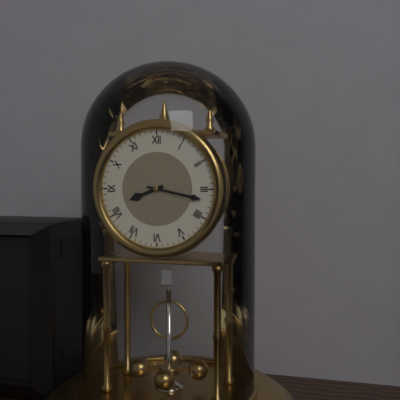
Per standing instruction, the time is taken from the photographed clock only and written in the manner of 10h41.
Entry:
8h17
